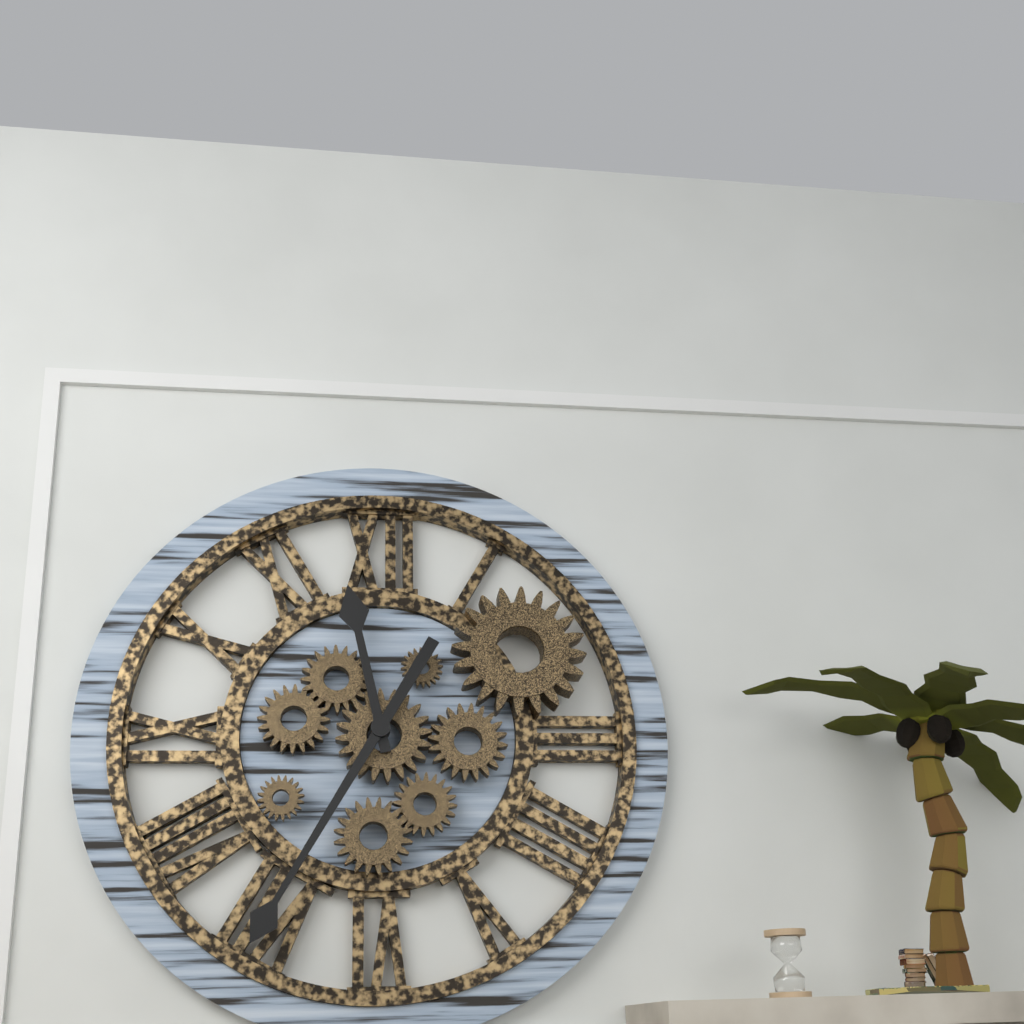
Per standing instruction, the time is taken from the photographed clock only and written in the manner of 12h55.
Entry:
11h35
